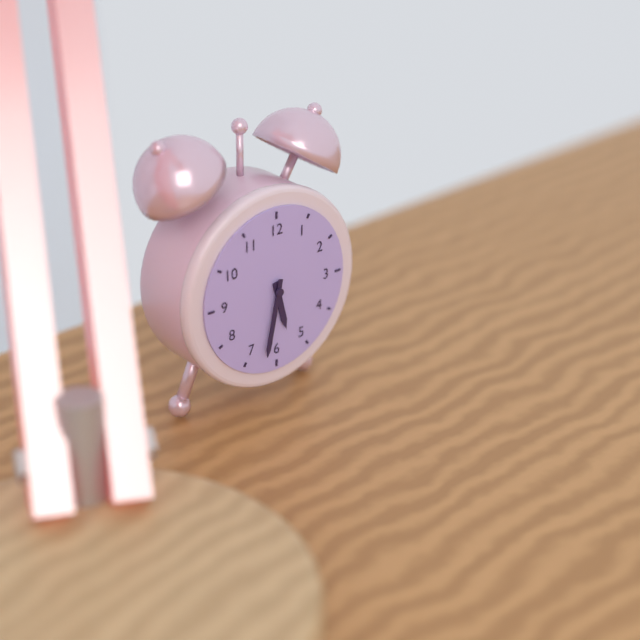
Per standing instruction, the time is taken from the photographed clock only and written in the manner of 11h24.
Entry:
5h32
